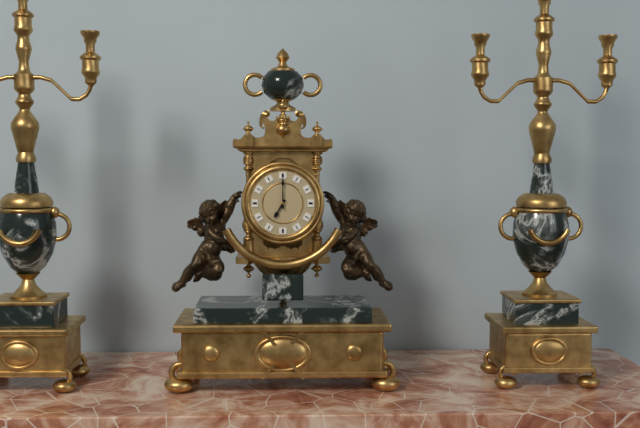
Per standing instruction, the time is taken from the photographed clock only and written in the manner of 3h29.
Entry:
7h00
